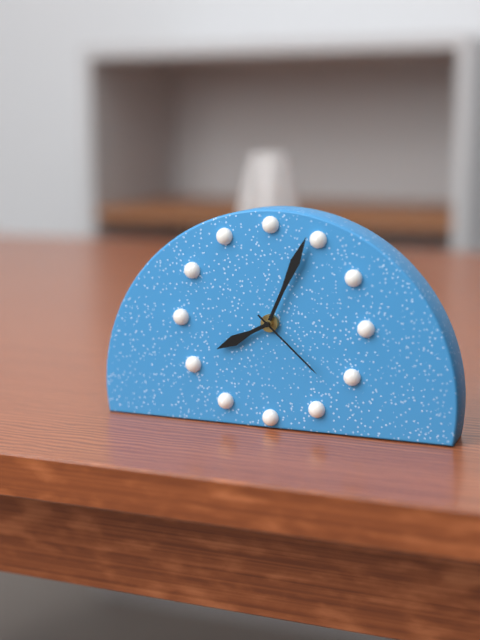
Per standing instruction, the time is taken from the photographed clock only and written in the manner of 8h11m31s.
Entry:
8h04m22s
